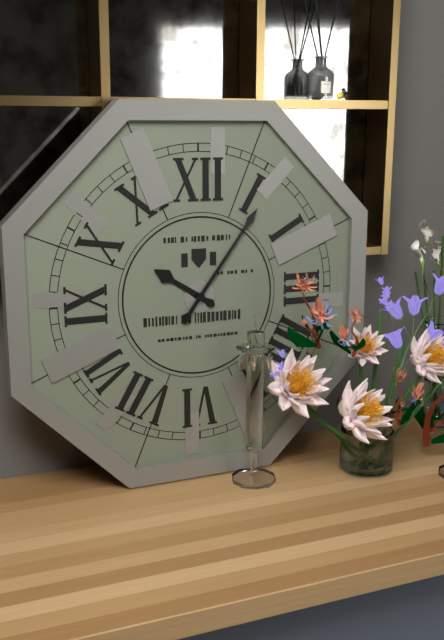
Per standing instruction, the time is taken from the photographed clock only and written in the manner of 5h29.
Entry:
10h06
